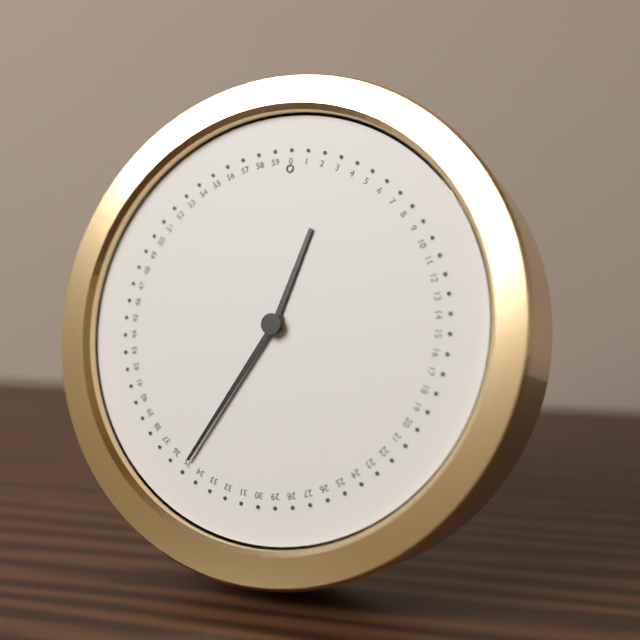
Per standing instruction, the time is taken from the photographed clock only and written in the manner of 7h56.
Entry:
12h35
